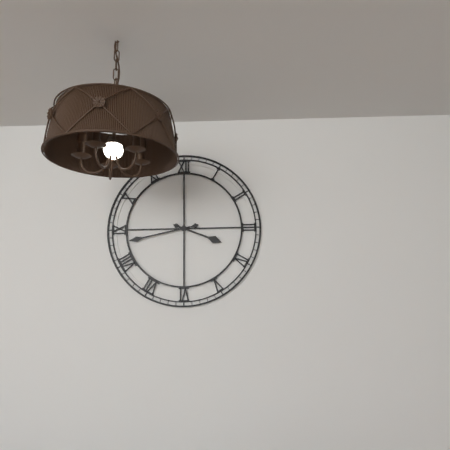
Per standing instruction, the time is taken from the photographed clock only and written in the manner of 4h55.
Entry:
3h43
